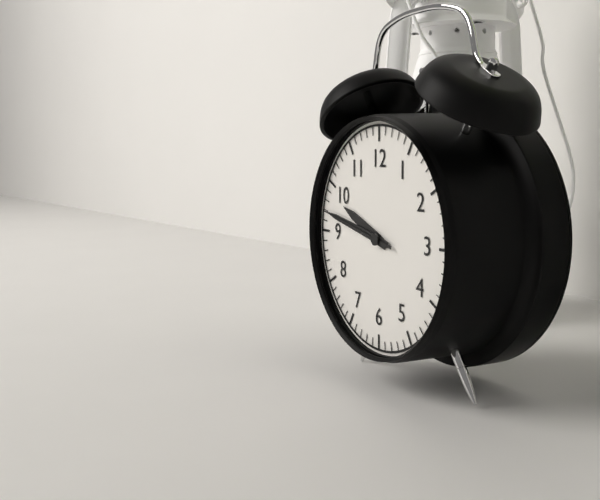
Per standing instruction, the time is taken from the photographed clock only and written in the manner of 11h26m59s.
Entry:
9h47m47s
